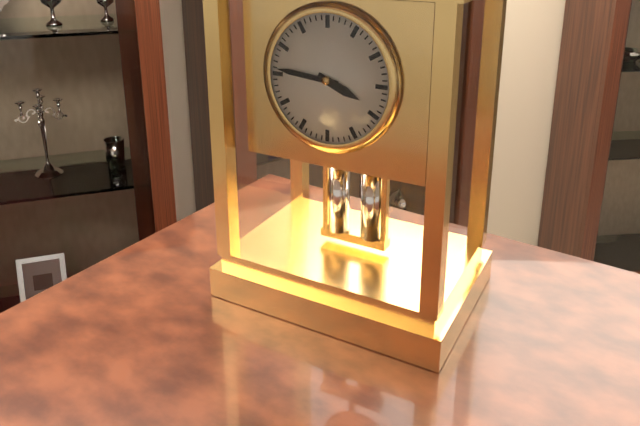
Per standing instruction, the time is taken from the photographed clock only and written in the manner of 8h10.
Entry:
3h46
